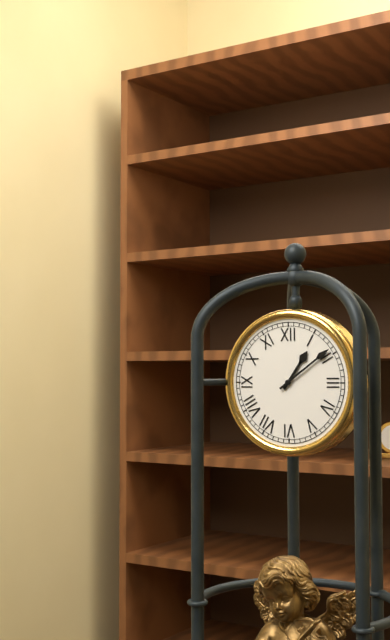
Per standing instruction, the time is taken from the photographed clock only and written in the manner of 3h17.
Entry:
1h09
